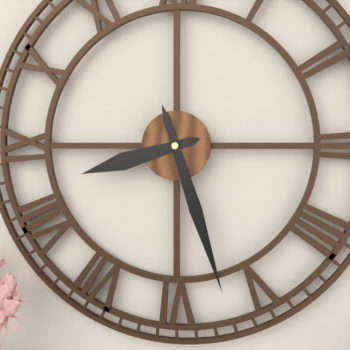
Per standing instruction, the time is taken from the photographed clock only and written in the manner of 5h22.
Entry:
8h27
